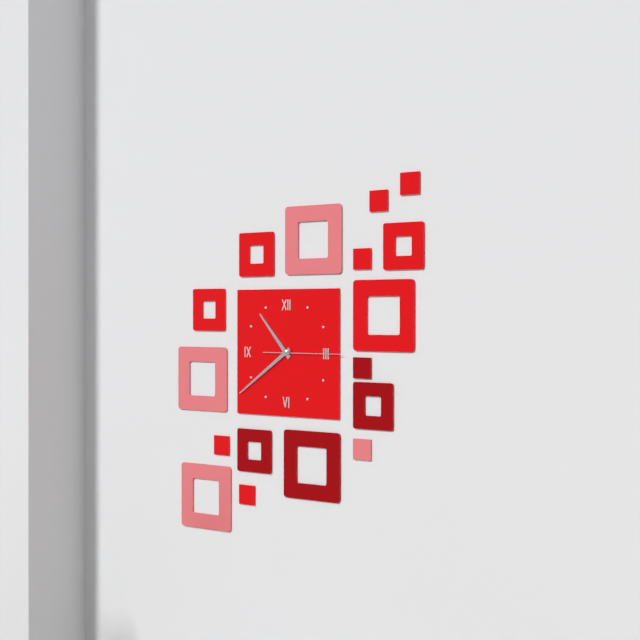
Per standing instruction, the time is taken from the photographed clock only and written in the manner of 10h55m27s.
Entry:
10h39m15s
